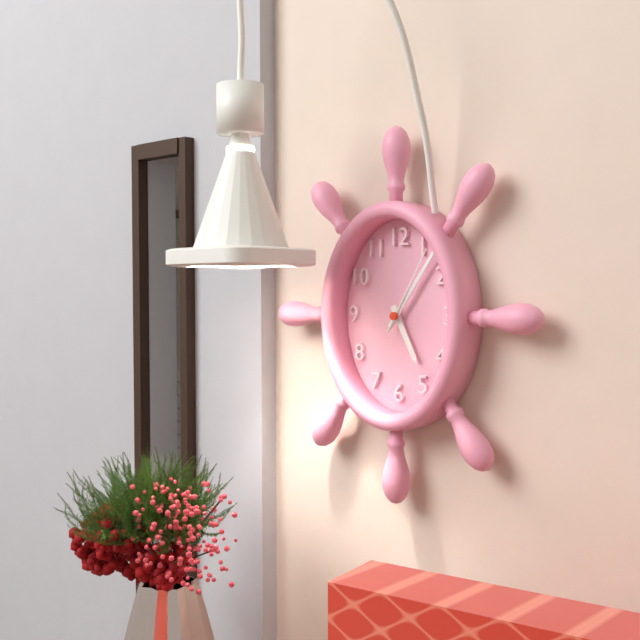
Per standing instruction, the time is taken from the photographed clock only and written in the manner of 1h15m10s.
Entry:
5h06m05s
